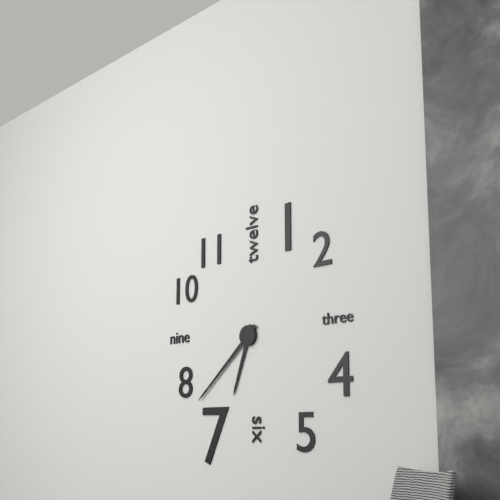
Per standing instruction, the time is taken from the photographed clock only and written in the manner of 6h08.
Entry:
6h38
